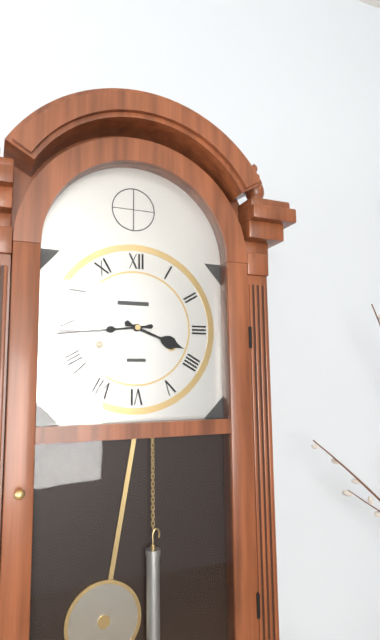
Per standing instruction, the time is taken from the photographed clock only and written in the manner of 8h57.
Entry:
3h44
